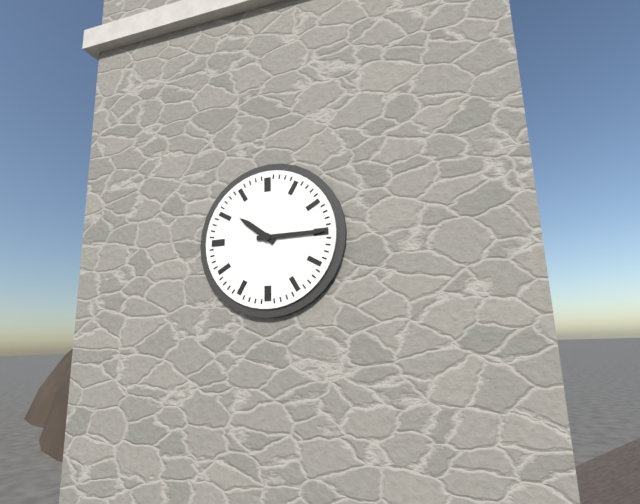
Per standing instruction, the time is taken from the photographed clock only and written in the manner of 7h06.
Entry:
10h15
